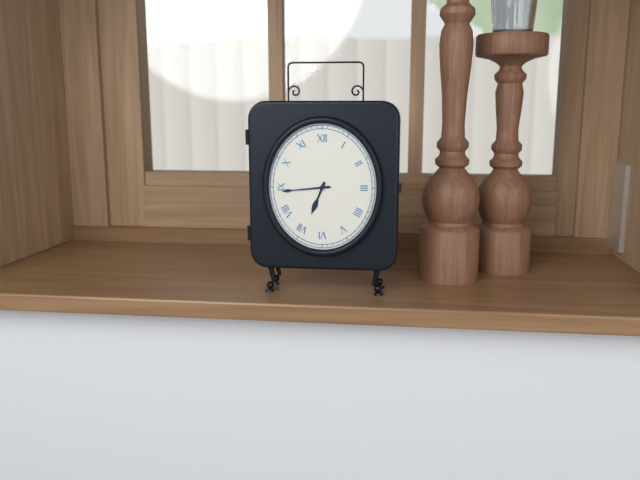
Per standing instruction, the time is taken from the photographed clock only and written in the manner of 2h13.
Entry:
6h44
